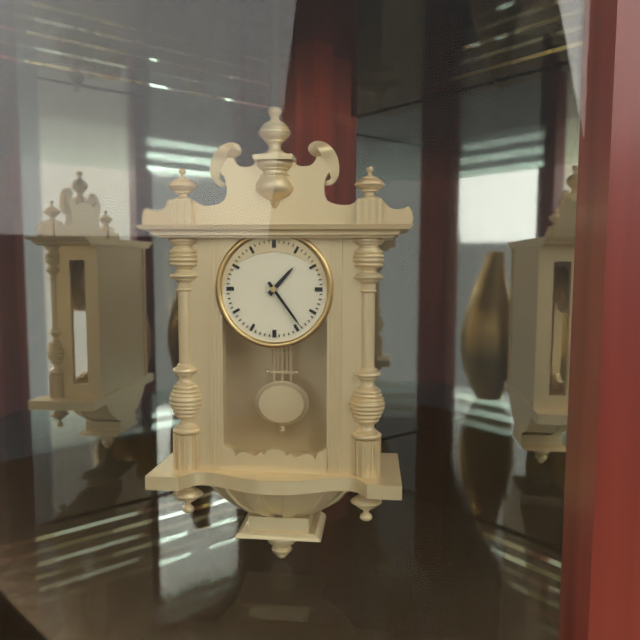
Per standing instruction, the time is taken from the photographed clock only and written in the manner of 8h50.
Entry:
1h24
